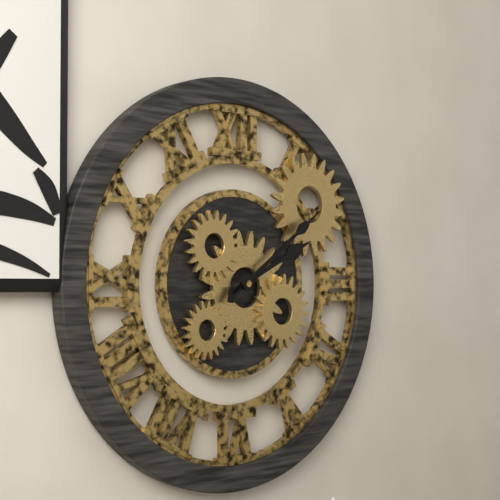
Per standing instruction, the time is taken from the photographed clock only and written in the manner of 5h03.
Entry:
2h09
